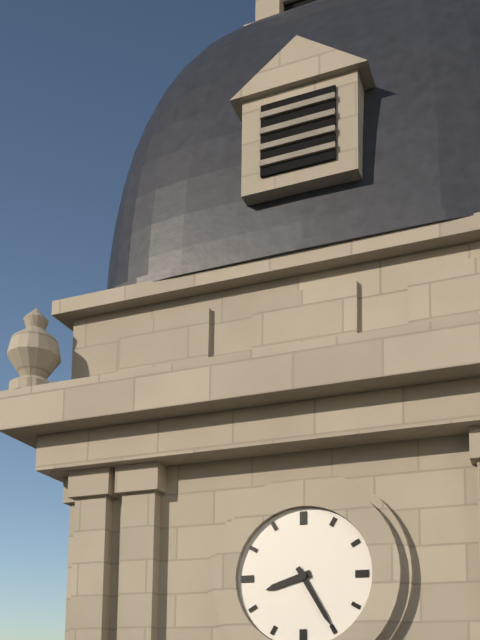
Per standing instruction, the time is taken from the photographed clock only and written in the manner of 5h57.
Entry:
8h25
